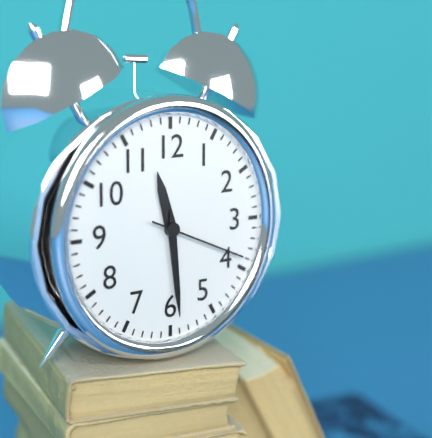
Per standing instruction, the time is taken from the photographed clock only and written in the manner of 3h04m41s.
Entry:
11h29m19s
